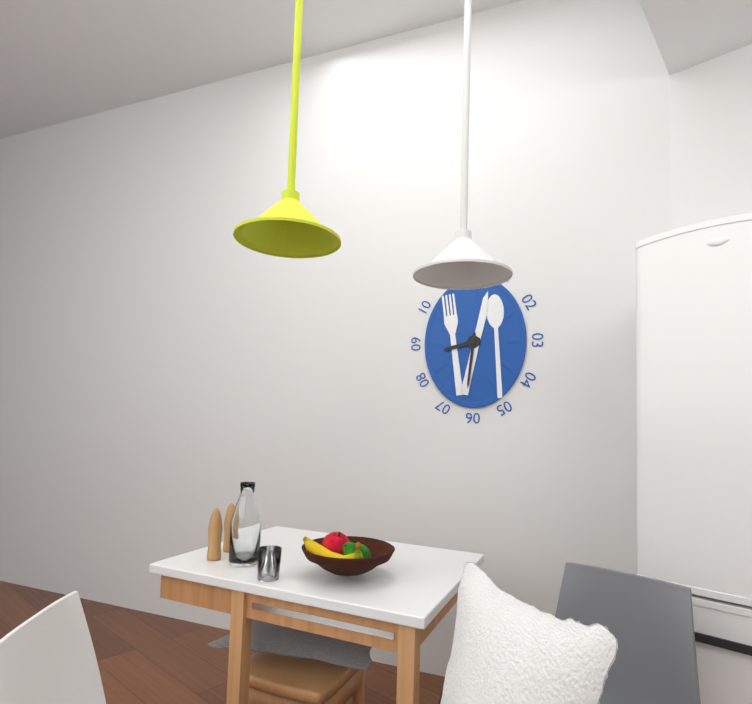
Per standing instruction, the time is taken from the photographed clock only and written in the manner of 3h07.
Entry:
8h31
